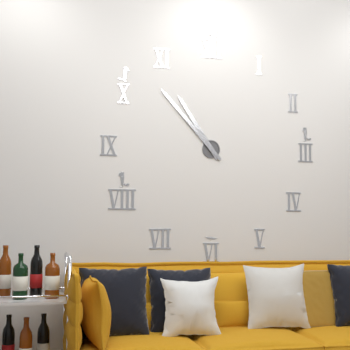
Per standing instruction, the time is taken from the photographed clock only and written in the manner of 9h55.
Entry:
10h53
